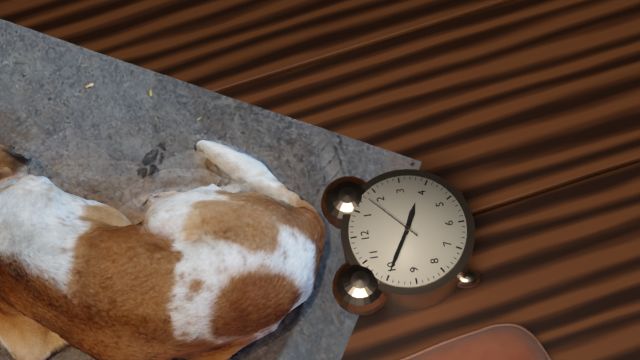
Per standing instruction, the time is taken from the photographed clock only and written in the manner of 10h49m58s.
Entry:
3h50m08s
